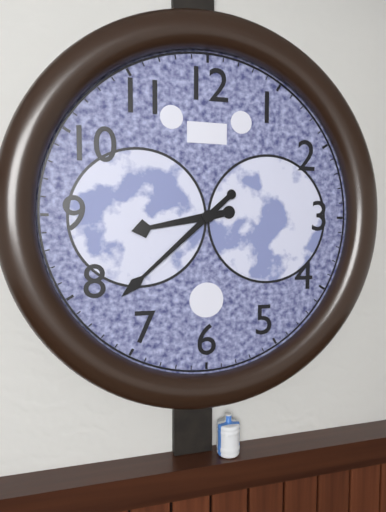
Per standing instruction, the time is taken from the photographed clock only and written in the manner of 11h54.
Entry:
8h38
